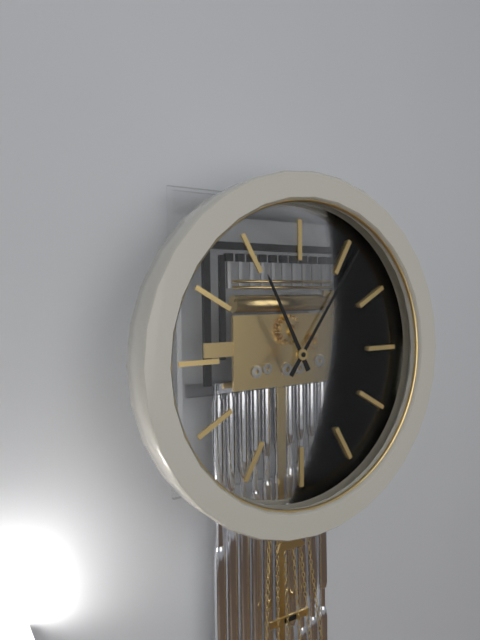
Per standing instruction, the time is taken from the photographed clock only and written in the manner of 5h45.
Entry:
11h06
